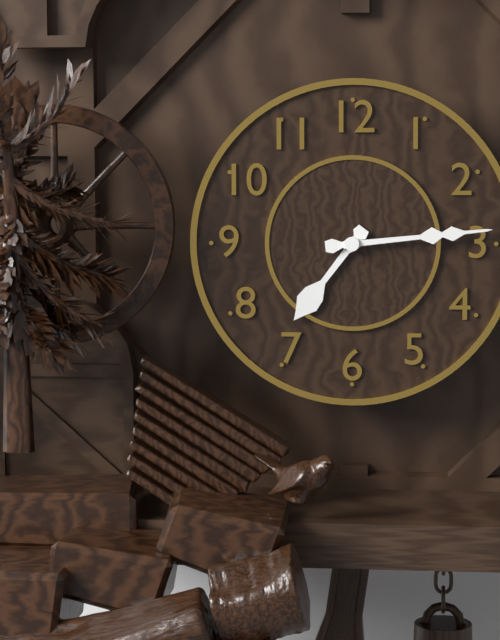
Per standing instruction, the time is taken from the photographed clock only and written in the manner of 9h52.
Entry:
7h14
